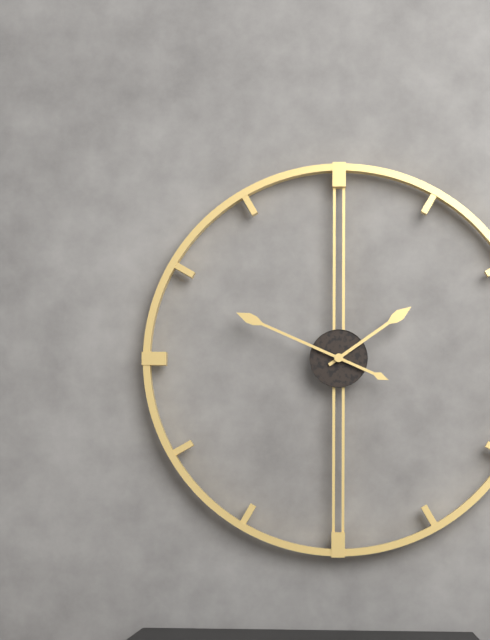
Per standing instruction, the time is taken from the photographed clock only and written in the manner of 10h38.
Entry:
1h49
